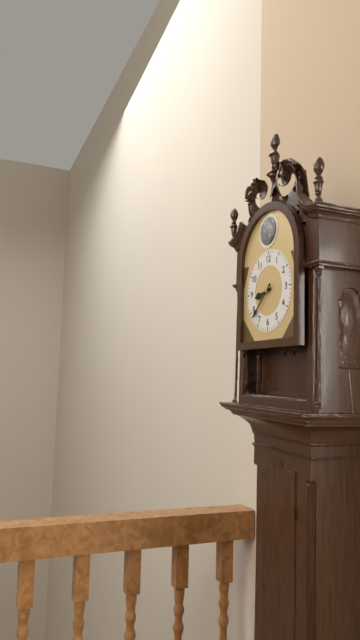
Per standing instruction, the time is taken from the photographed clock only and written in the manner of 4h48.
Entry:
8h38
